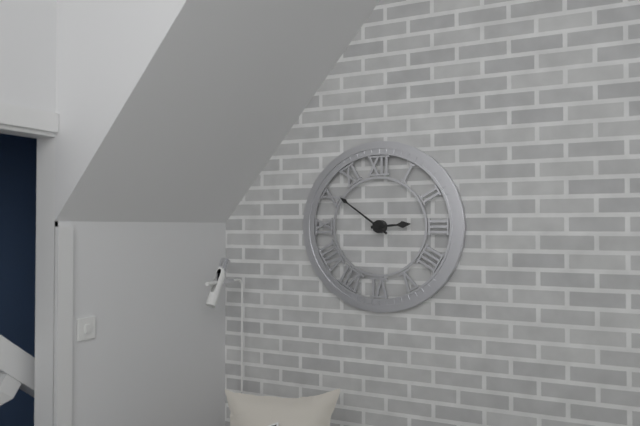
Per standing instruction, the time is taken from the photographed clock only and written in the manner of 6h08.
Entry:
2h51
